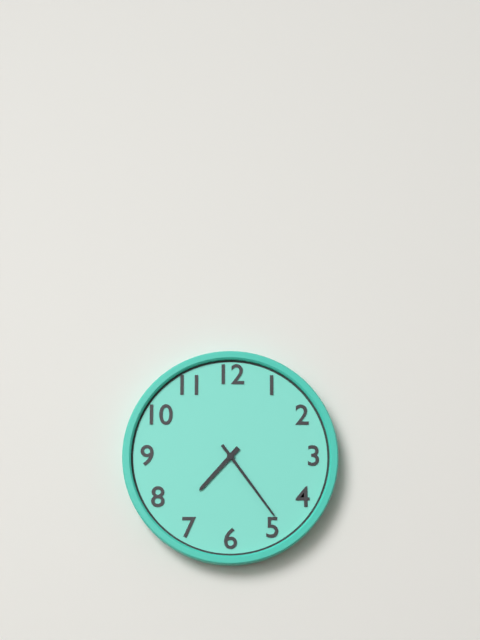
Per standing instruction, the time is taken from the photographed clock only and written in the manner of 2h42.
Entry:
7h24
